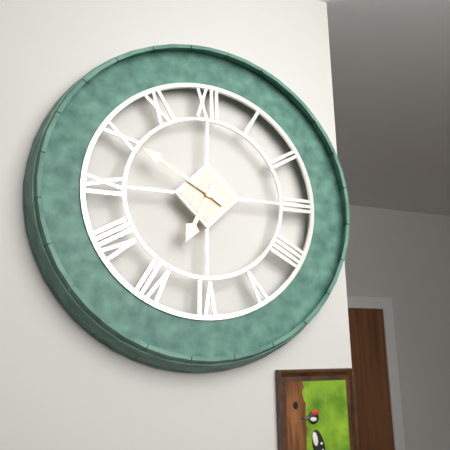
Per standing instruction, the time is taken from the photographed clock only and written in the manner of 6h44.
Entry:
6h50
